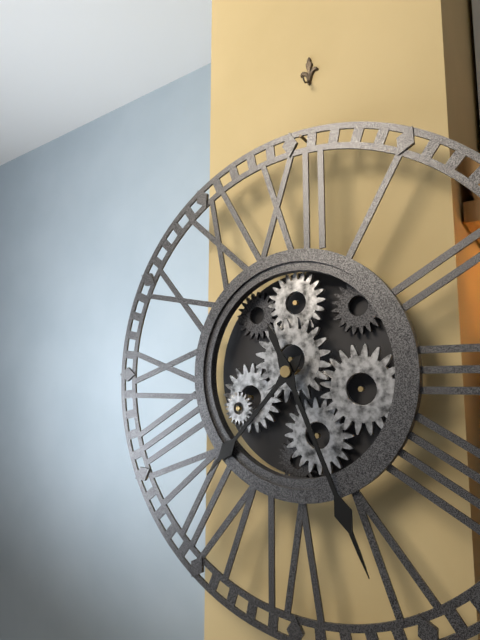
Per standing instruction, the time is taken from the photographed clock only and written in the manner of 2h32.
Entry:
7h26
